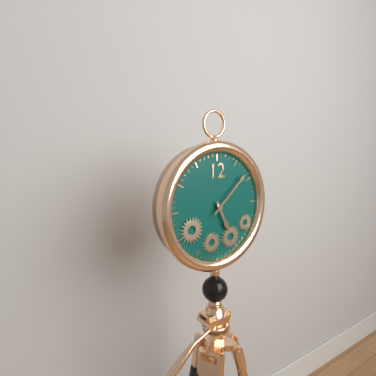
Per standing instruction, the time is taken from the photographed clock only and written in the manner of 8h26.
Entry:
5h08
